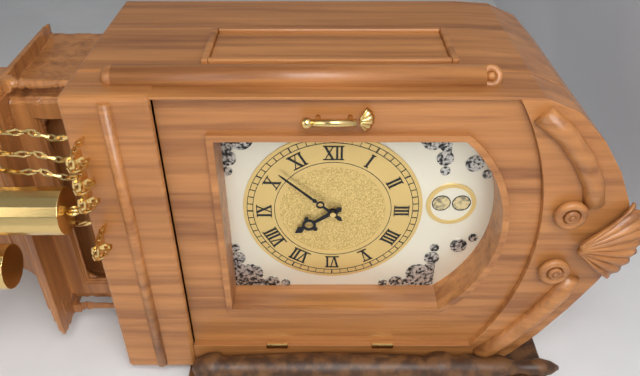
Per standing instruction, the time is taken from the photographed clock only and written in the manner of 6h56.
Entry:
7h52
